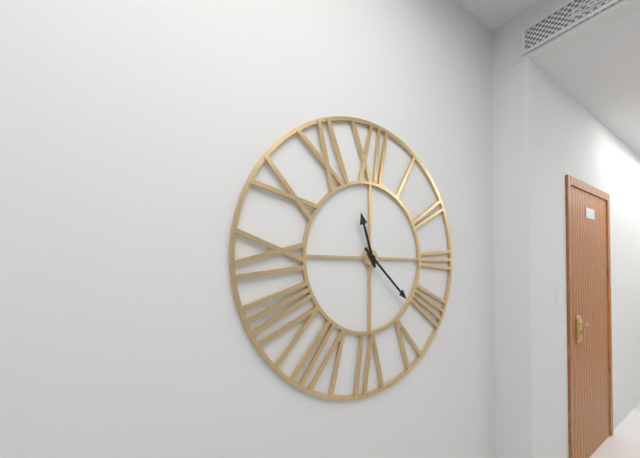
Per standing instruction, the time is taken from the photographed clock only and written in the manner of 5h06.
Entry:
11h22
